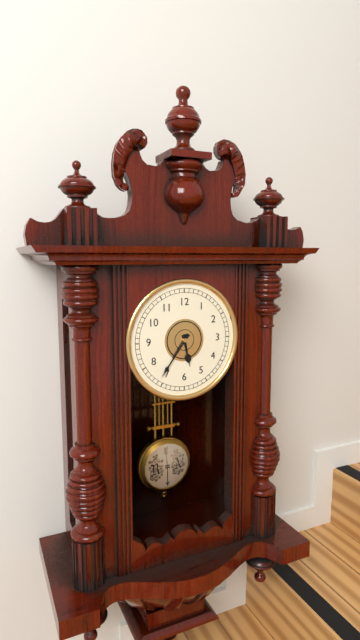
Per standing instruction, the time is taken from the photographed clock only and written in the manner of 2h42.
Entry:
5h36
